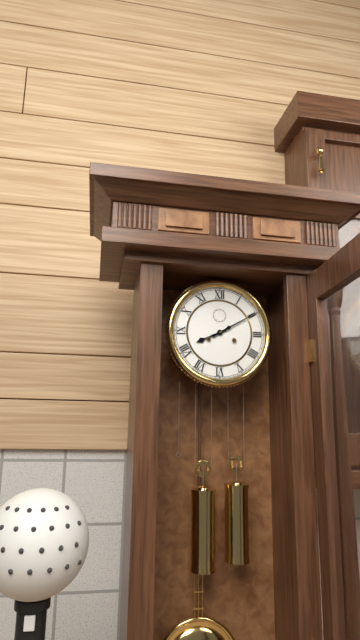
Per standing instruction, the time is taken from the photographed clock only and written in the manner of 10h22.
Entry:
8h10
